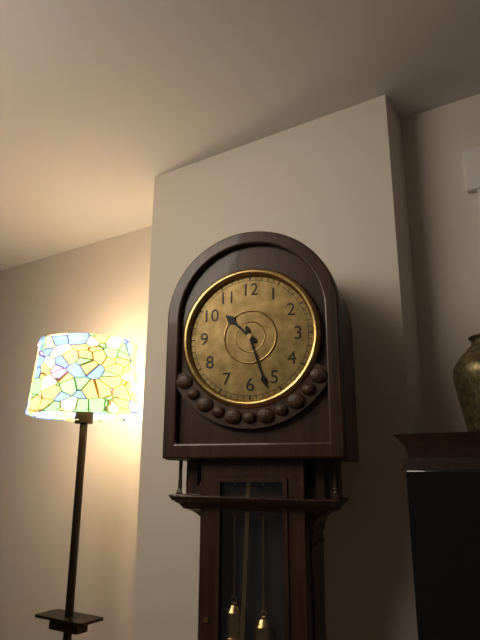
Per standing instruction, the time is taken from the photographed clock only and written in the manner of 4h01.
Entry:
10h27
